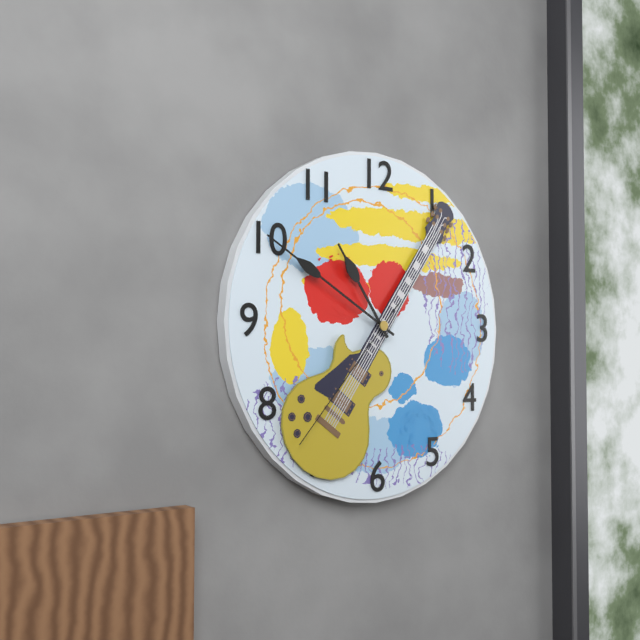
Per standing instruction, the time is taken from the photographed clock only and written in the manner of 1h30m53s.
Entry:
10h50m37s
